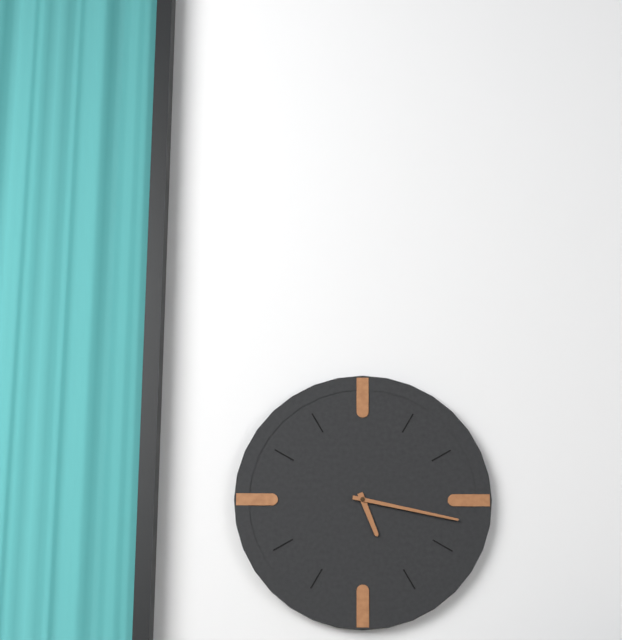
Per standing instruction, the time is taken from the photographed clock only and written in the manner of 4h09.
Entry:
5h17
